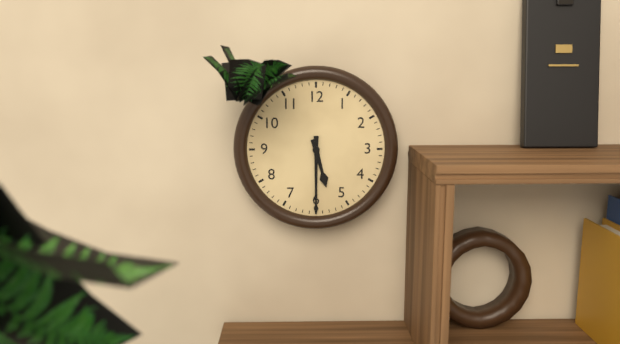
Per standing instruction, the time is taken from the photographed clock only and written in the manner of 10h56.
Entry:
5h30
